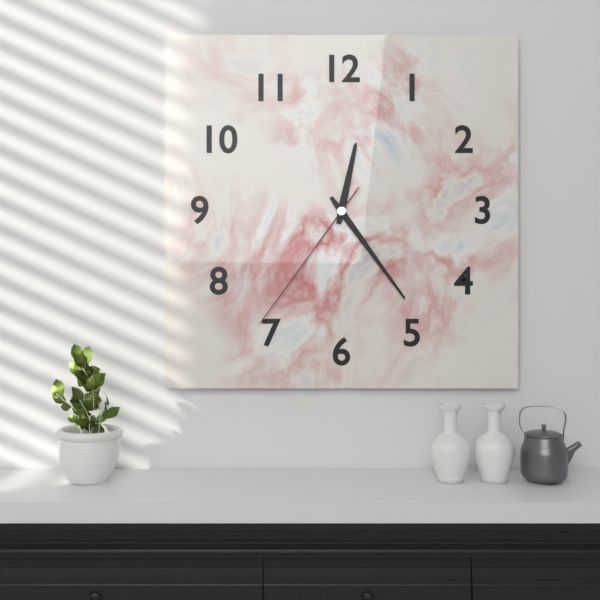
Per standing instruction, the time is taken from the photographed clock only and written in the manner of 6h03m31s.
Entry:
12h24m36s
